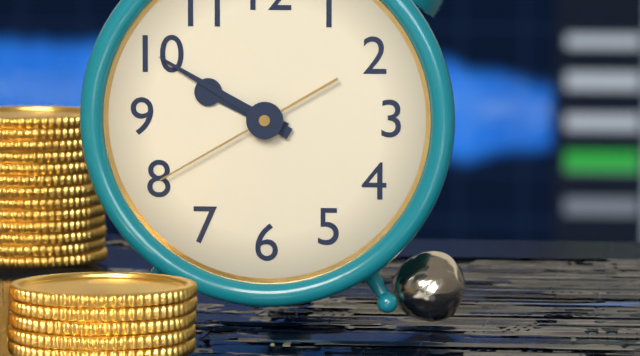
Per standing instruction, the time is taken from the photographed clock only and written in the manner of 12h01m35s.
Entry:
9h50m40s
